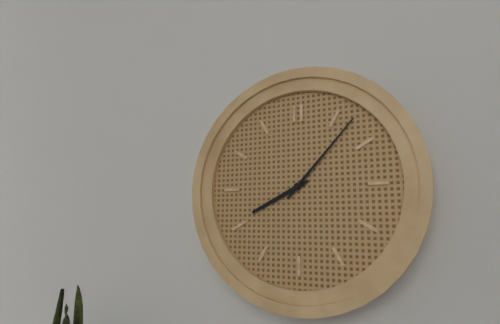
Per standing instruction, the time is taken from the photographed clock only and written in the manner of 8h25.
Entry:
8h07
